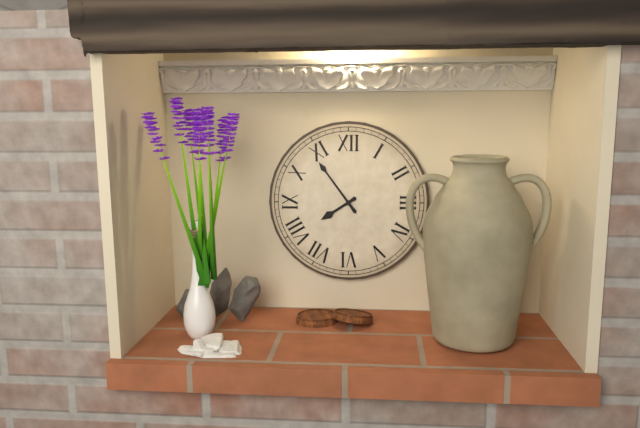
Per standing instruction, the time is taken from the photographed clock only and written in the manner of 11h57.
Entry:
7h54
